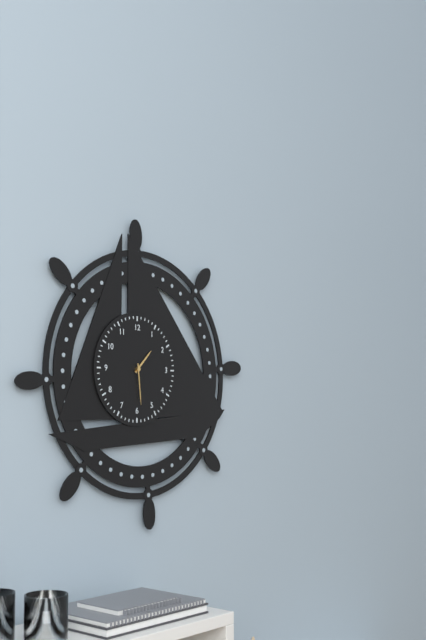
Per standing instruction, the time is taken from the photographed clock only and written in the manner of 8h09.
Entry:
1h29
